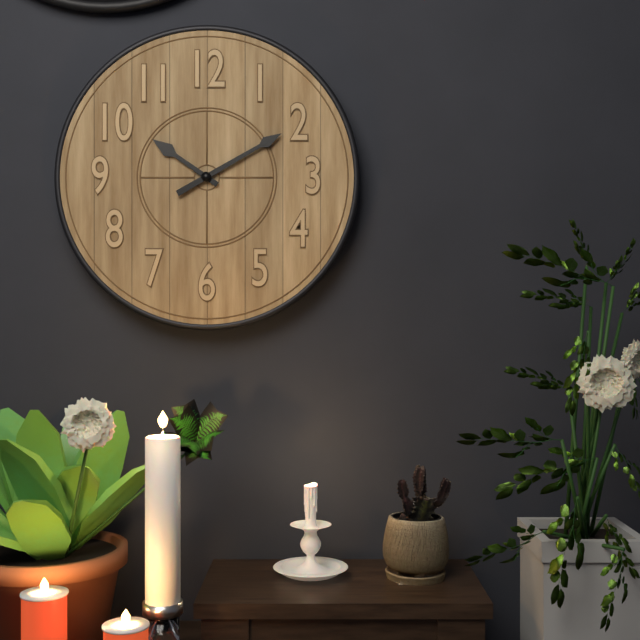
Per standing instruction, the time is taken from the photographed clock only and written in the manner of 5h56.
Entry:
10h10
